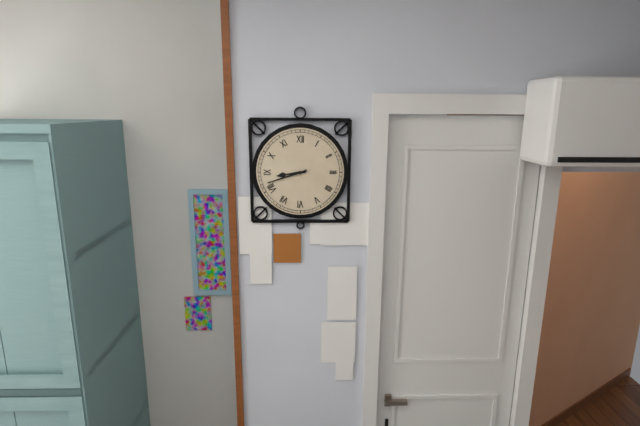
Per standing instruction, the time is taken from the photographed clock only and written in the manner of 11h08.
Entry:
8h42
